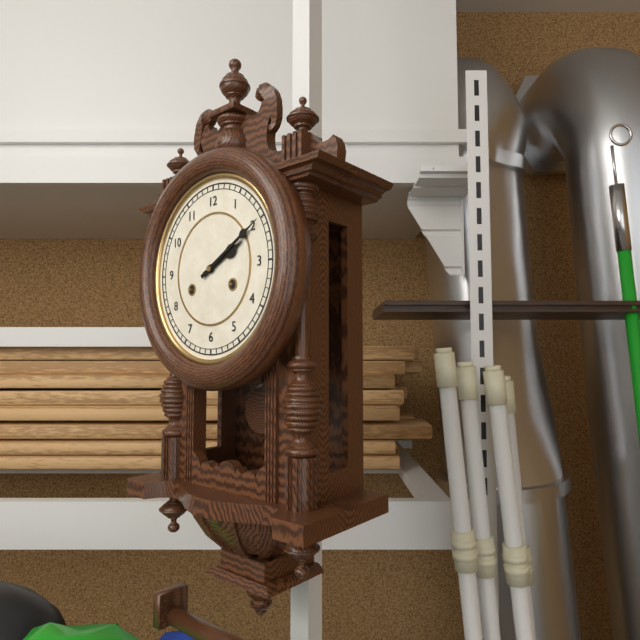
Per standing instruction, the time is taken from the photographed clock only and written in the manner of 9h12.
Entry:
2h10
